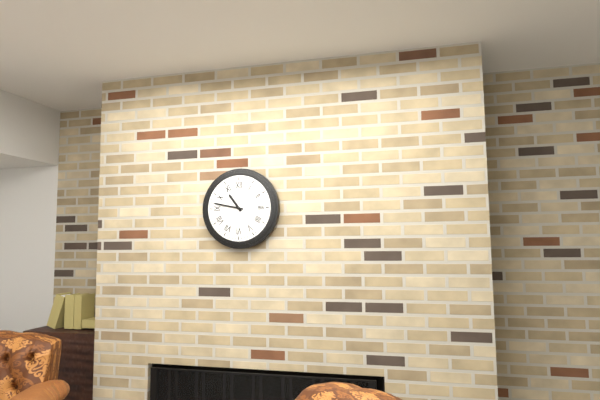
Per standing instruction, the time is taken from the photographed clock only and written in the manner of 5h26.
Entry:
10h47
